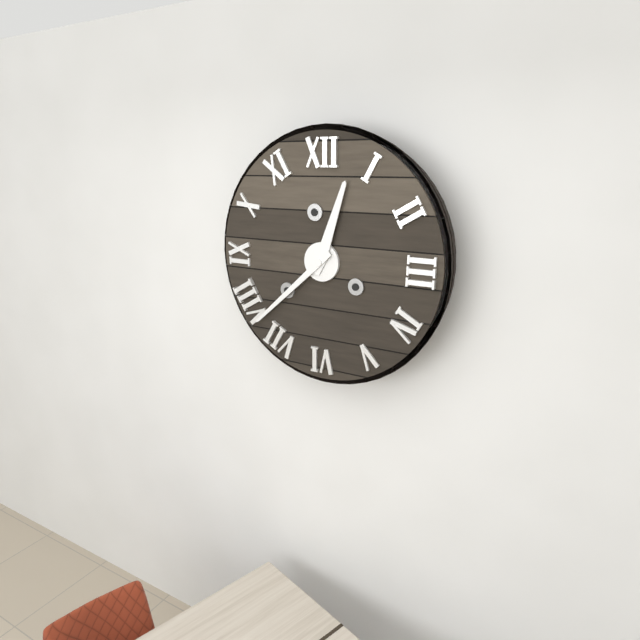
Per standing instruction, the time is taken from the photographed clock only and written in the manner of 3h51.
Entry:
12h38
